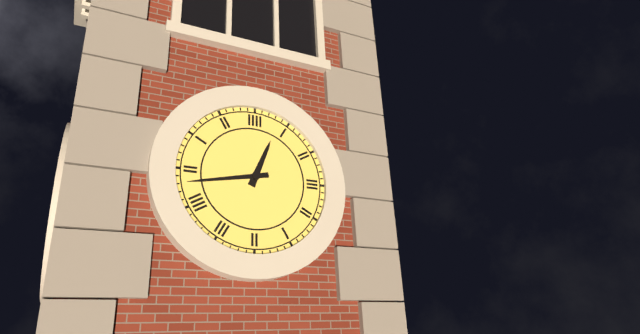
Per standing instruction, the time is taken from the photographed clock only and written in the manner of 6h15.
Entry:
12h43
